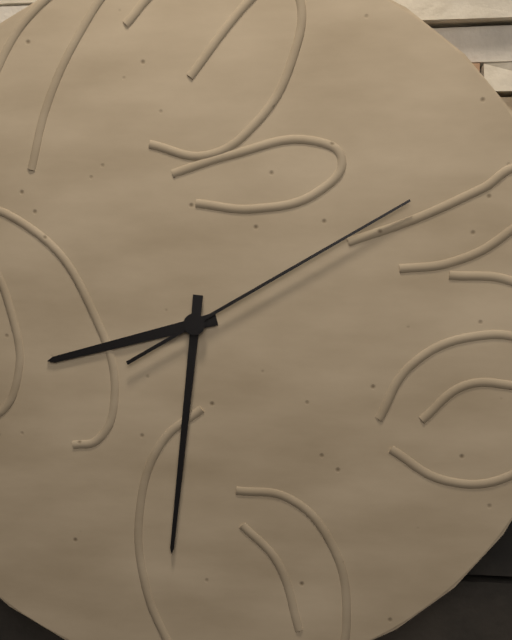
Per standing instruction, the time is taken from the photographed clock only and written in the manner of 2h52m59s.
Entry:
8h31m10s
